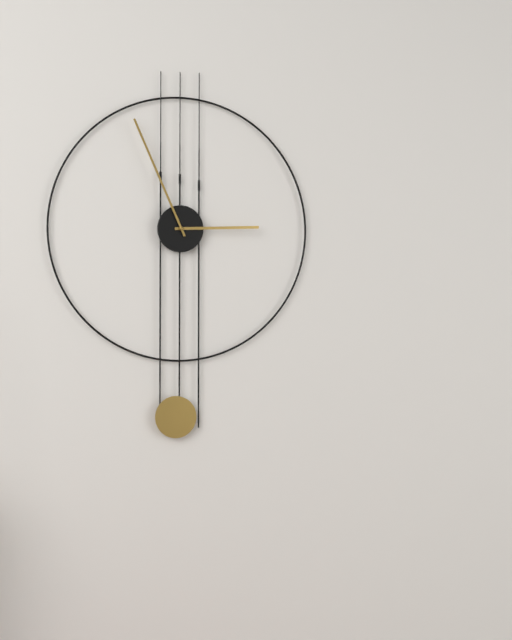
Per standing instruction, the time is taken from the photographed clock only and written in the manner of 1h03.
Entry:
2h56
